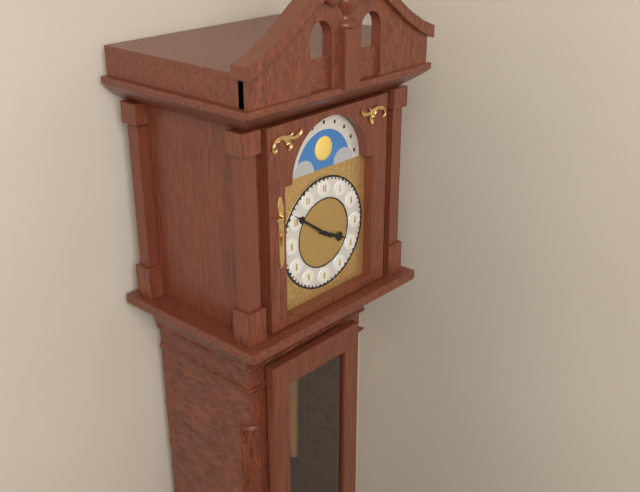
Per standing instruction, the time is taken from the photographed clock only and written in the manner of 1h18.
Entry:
3h51
